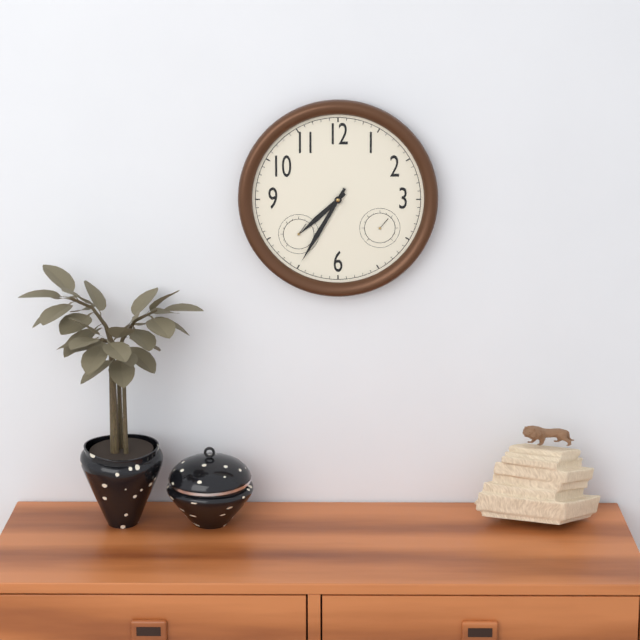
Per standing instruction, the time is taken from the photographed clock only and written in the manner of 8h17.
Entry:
7h35
